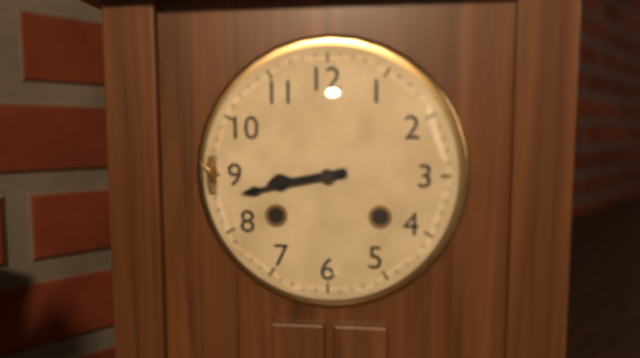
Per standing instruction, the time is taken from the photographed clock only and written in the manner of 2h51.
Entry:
8h43
